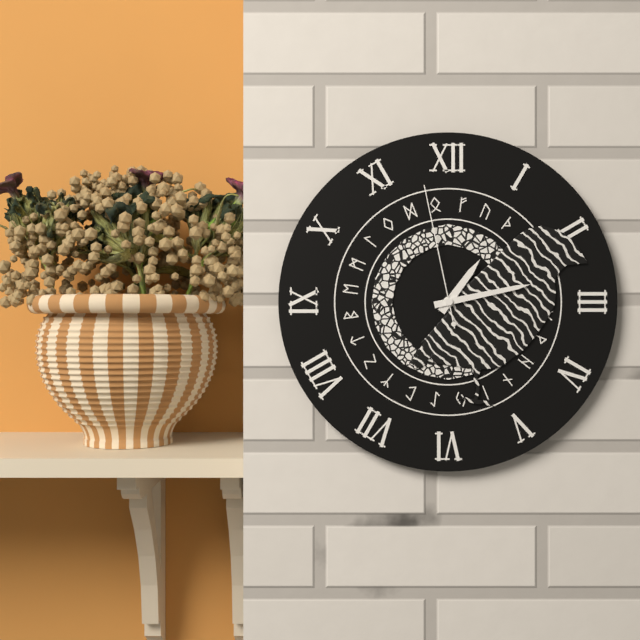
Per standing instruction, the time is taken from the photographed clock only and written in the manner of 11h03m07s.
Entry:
1h13m58s
